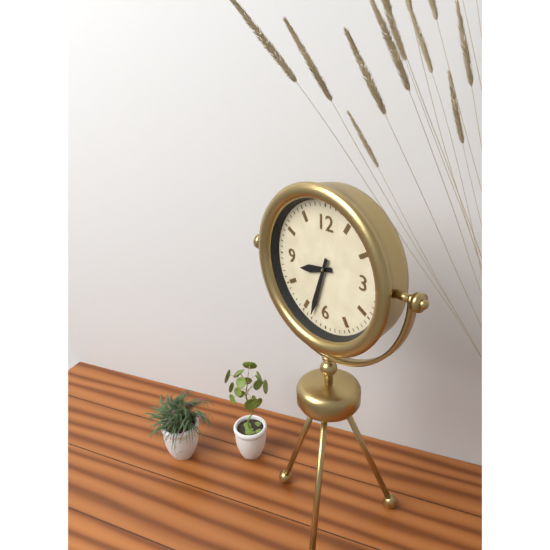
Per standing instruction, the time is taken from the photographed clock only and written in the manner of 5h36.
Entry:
8h33
